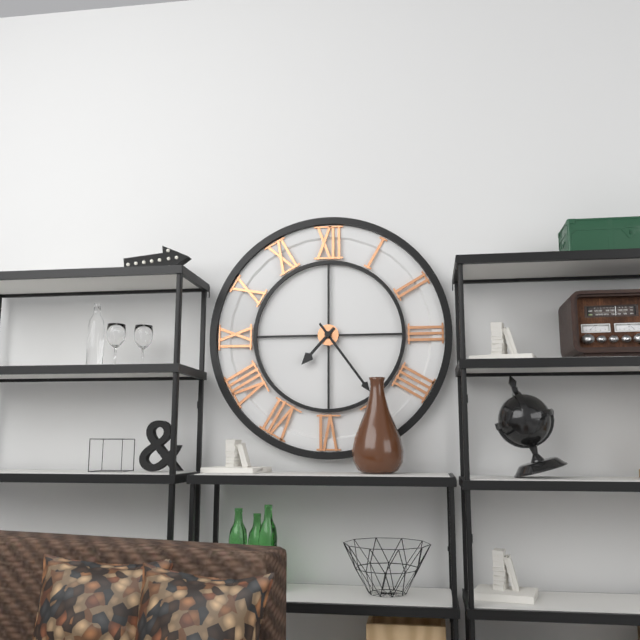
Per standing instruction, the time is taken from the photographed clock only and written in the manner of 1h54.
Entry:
7h24
